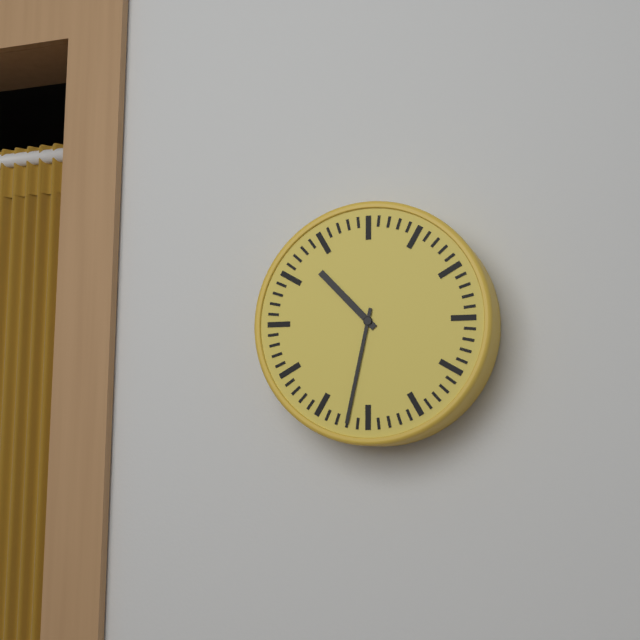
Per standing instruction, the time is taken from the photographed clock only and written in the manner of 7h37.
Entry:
10h32
